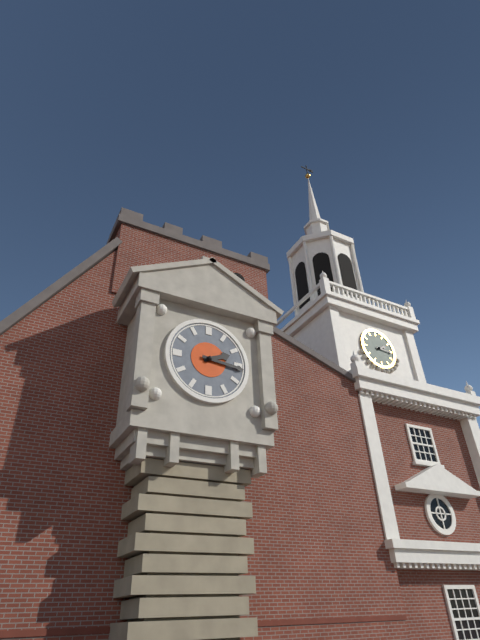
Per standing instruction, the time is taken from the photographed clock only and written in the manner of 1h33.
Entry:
2h16
